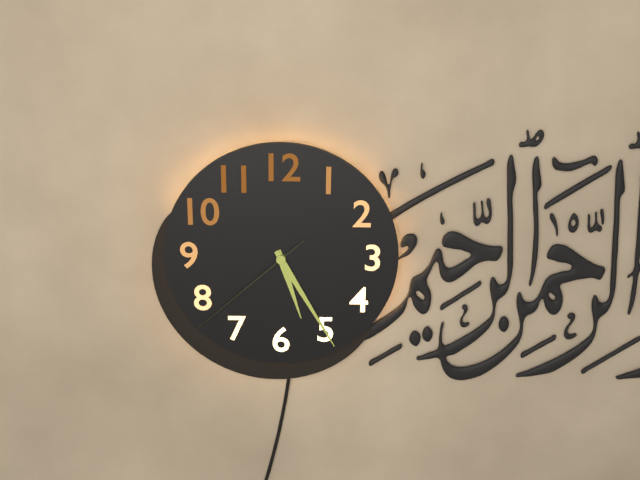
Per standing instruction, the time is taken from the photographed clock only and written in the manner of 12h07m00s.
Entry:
5h25m38s
